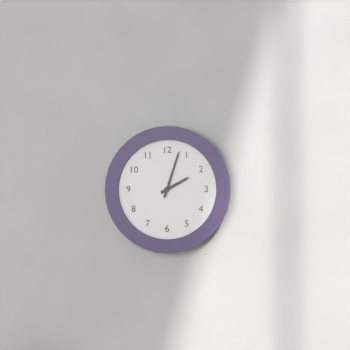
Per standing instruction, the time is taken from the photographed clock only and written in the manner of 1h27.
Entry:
2h03
